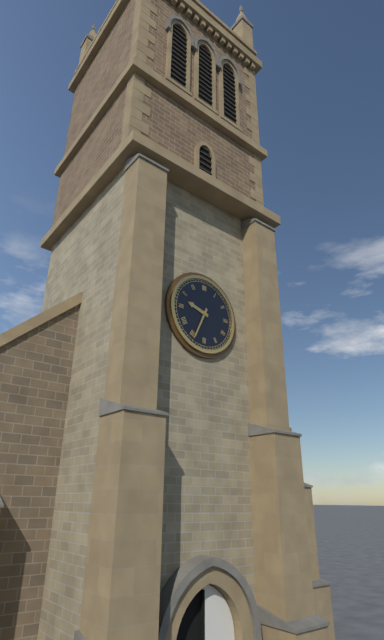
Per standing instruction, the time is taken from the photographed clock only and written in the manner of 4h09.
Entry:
9h34
